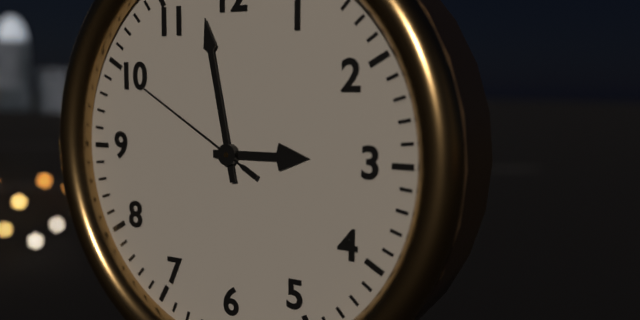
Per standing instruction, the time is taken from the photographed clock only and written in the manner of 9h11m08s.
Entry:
2h58m50s
